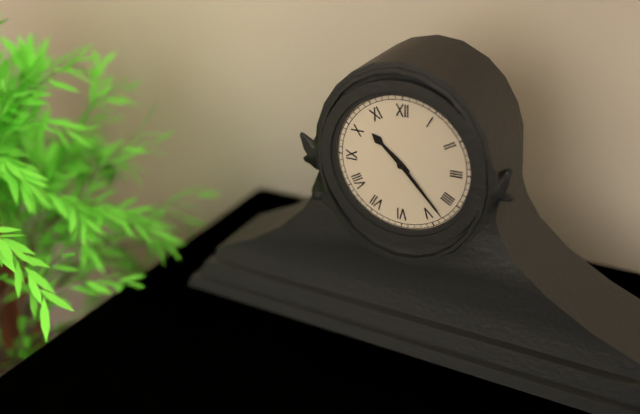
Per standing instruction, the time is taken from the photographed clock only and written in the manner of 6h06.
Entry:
10h23
